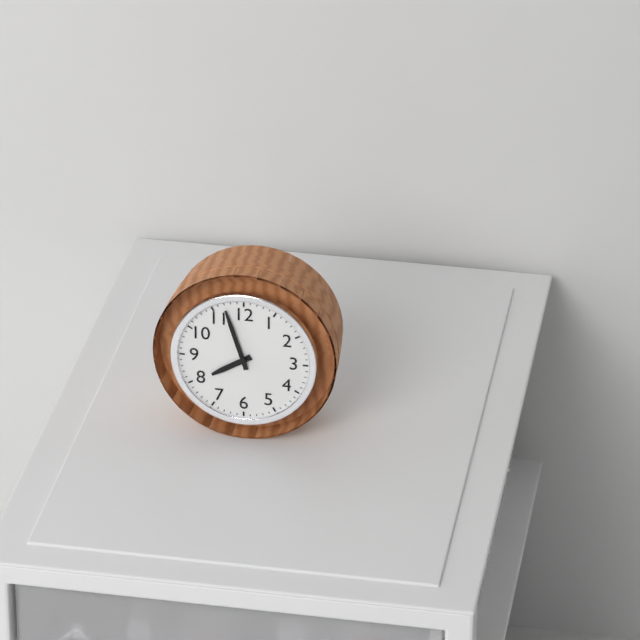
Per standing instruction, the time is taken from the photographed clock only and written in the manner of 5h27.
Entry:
7h57
